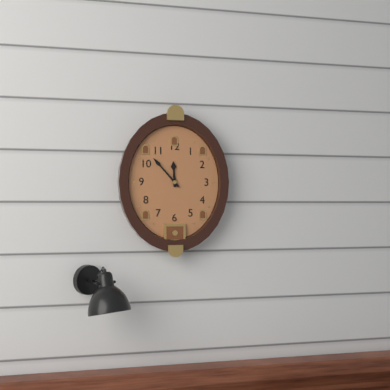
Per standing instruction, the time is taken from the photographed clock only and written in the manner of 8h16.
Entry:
11h53
